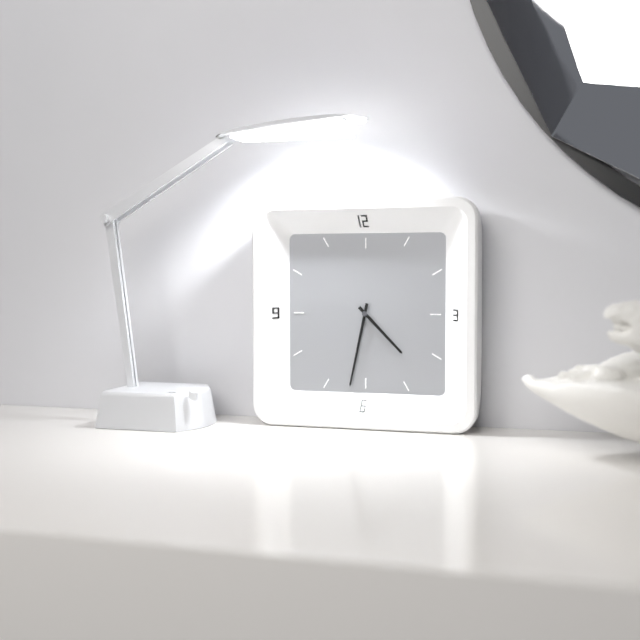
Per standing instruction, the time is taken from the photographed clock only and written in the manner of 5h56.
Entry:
4h32
